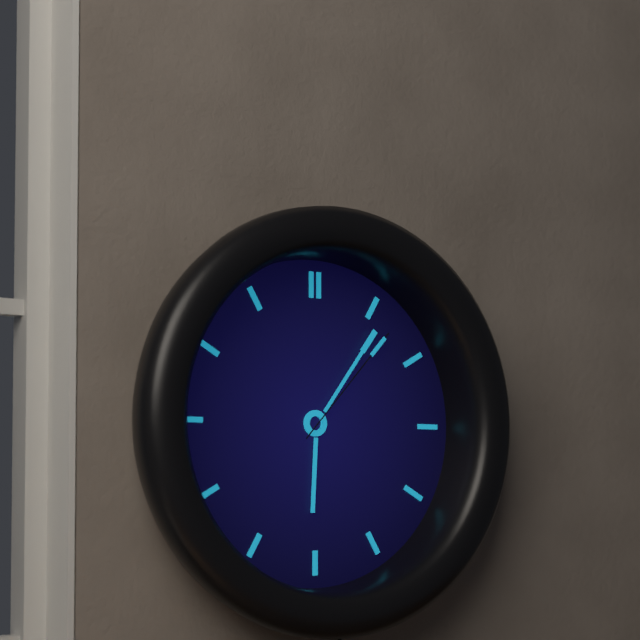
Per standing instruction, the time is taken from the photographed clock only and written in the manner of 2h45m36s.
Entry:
6h06m07s
